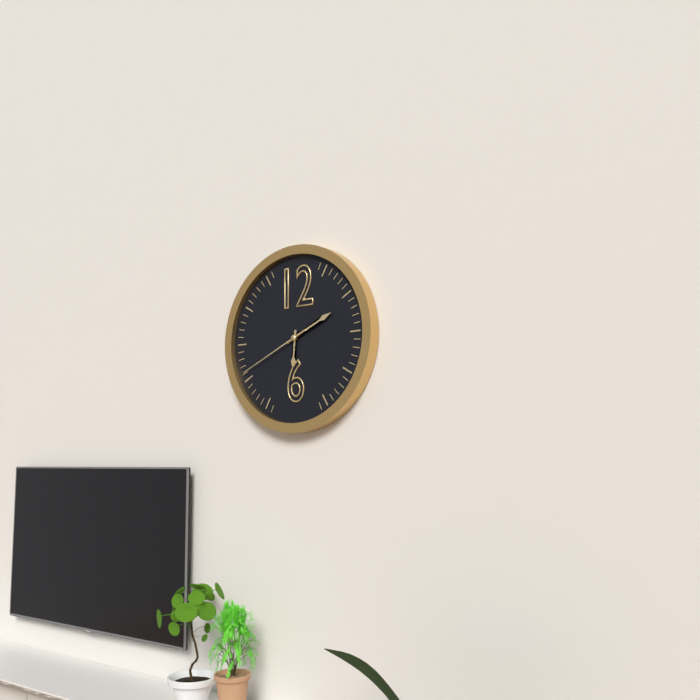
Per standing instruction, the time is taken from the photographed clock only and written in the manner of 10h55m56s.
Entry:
6h11m41s
